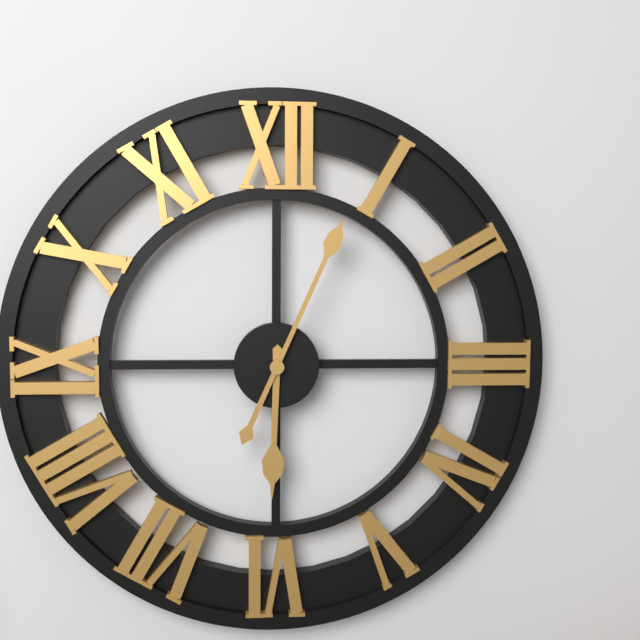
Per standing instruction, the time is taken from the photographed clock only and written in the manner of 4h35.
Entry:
6h04
